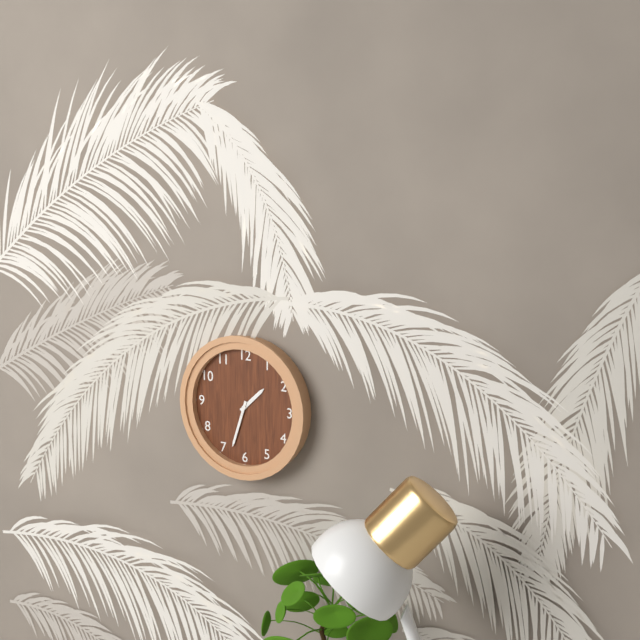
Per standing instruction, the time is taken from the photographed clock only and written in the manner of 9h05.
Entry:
1h33
